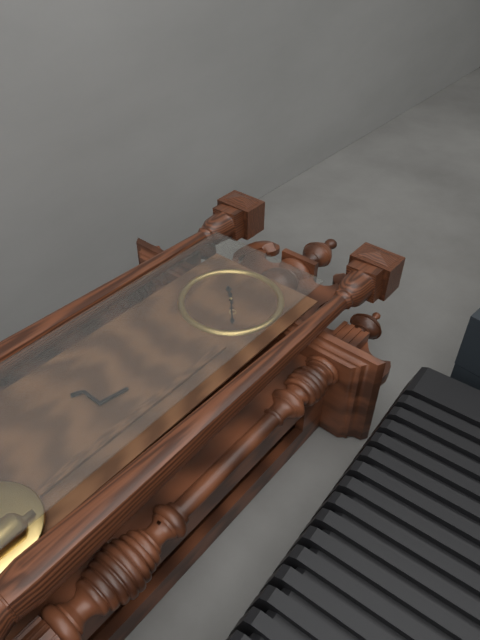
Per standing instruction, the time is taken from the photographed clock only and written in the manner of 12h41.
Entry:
10h23
